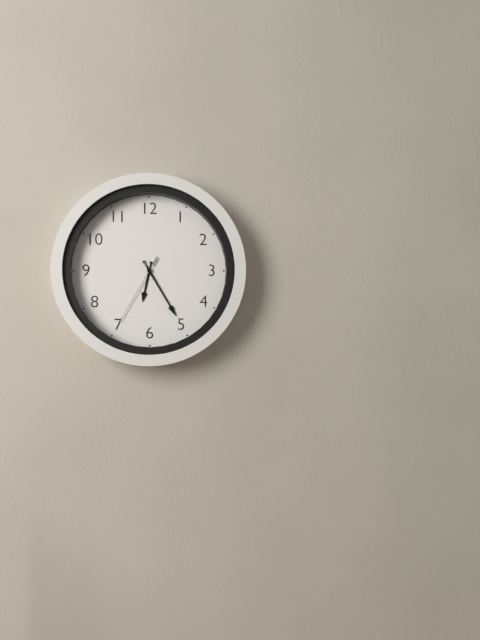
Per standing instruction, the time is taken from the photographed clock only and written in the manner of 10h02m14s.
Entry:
6h25m35s
